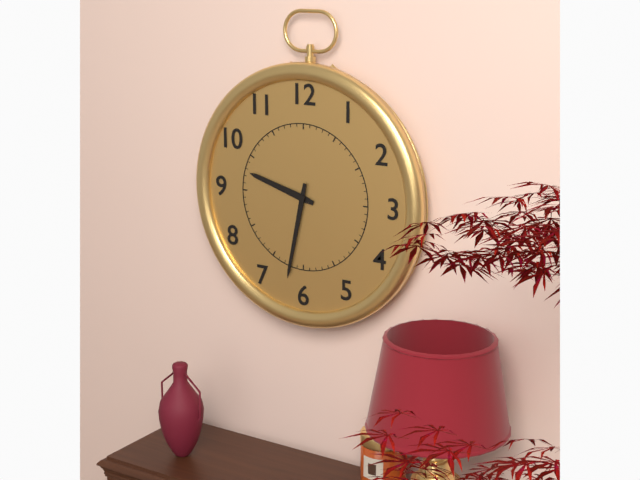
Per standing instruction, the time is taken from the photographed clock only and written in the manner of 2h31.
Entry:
9h32
